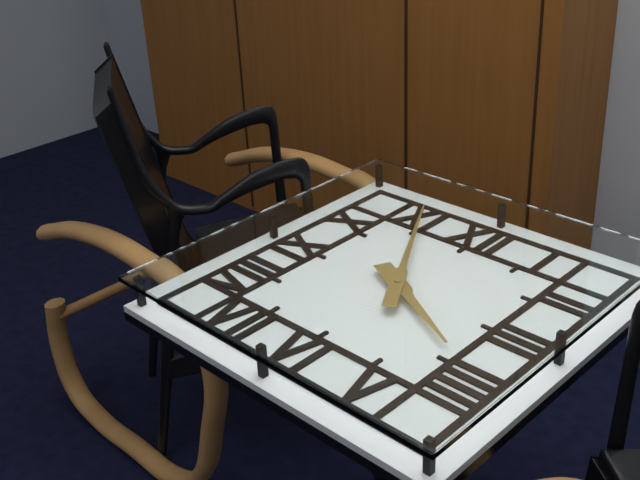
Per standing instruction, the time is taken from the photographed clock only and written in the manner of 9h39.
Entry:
3h55
